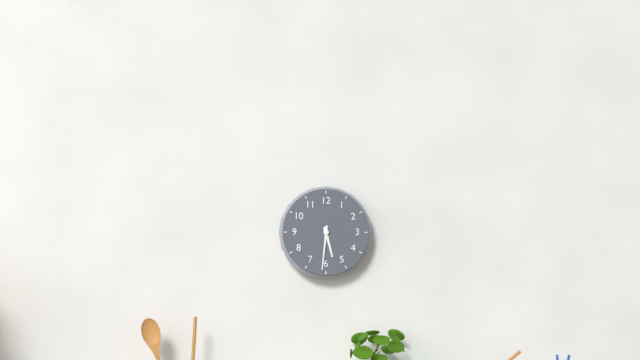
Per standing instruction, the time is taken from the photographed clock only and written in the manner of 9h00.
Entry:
5h31
